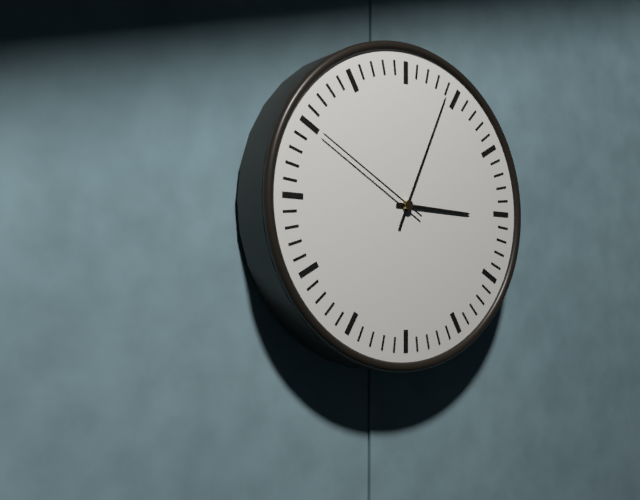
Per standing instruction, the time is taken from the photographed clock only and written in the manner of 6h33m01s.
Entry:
3h04m50s
